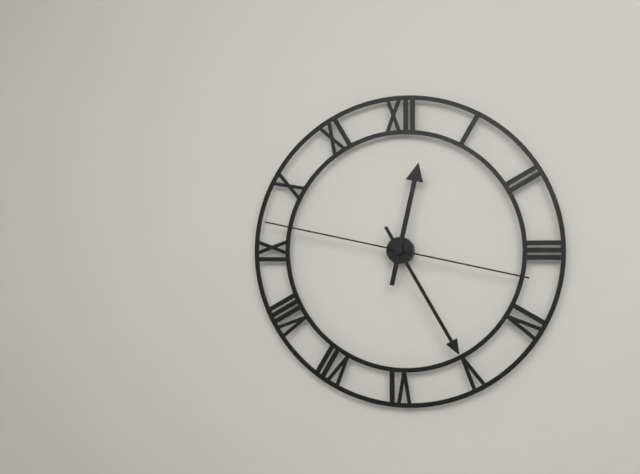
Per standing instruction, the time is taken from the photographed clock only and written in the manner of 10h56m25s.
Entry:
12h25m47s
